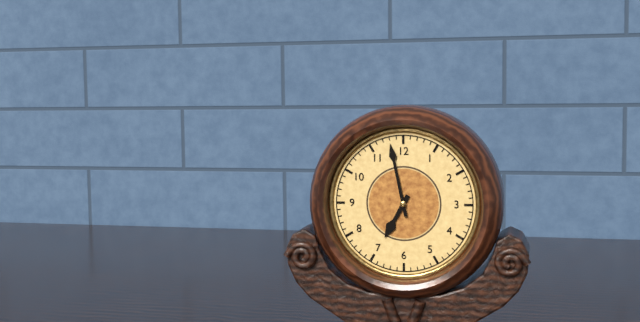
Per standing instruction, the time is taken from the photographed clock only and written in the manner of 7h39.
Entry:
6h58
